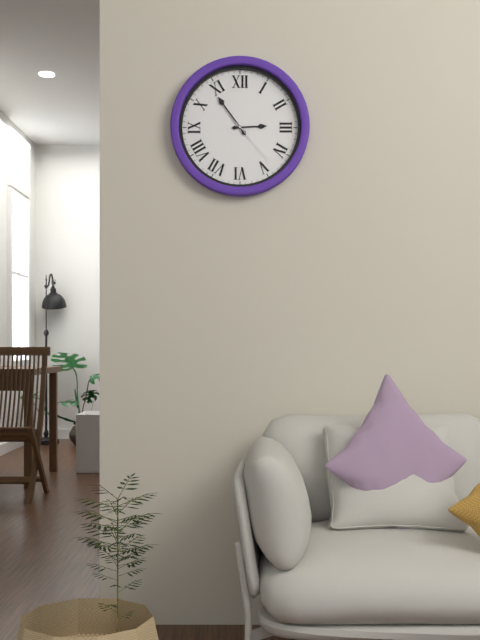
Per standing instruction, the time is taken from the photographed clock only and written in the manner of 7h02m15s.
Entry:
2h54m23s
